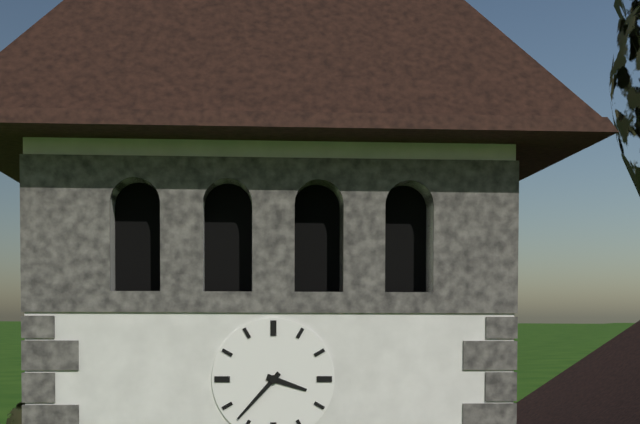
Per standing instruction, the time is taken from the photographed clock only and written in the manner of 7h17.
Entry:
3h37
